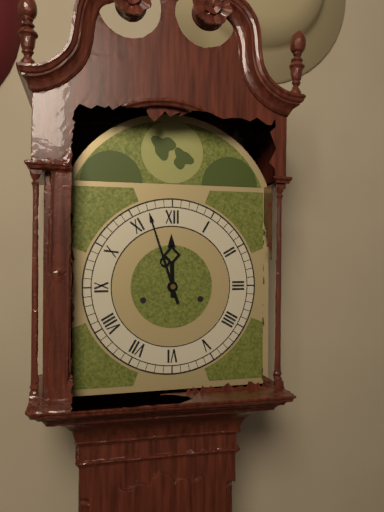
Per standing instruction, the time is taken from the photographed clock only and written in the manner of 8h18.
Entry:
11h57
